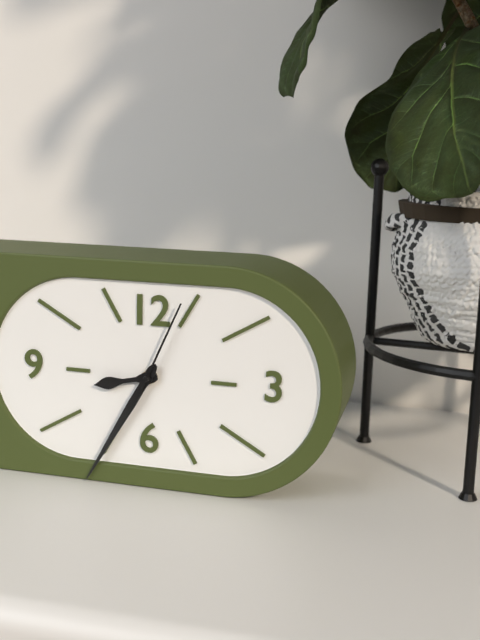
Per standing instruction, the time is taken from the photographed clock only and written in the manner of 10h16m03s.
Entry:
8h35m04s
